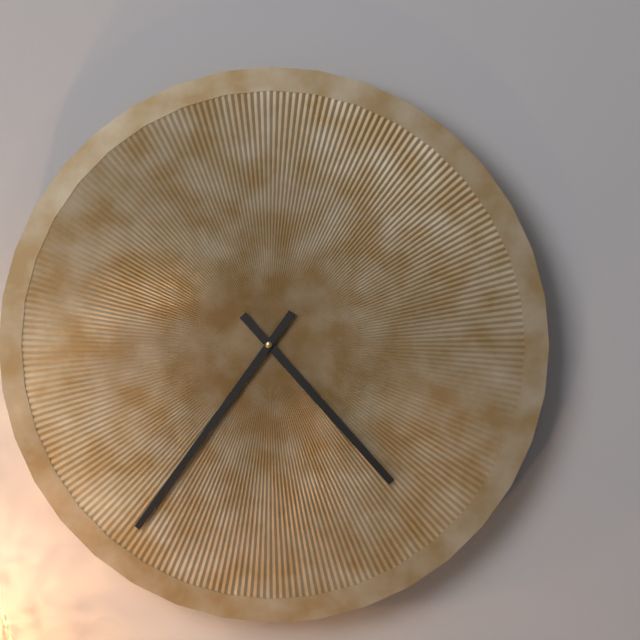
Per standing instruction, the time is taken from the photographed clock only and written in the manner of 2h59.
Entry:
4h36
